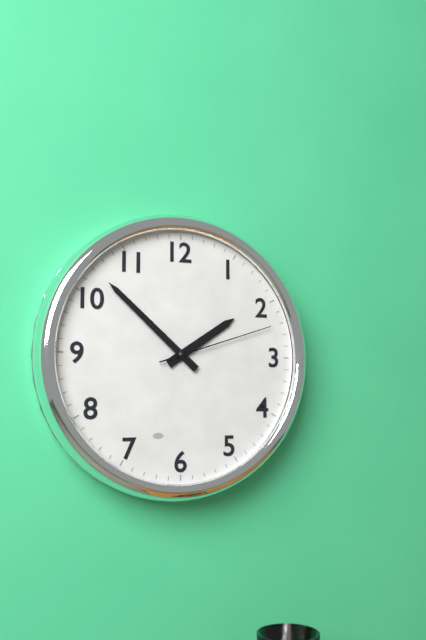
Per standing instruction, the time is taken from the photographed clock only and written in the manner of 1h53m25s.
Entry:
1h52m12s
